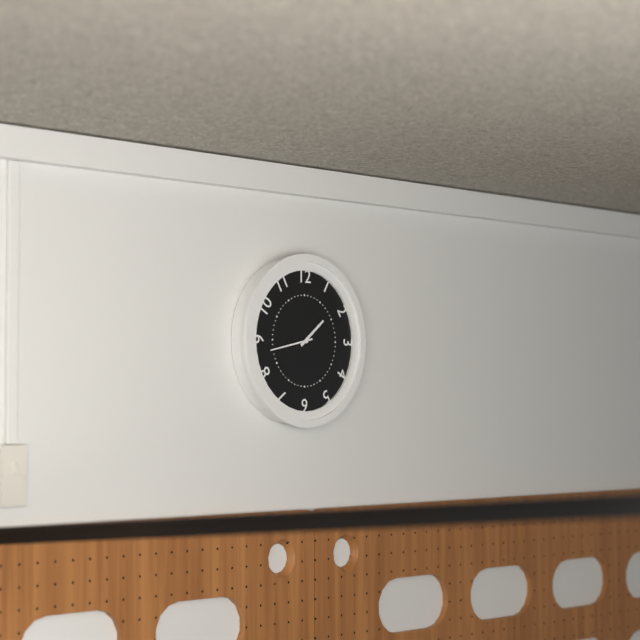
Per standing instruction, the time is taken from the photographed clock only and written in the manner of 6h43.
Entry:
1h43
